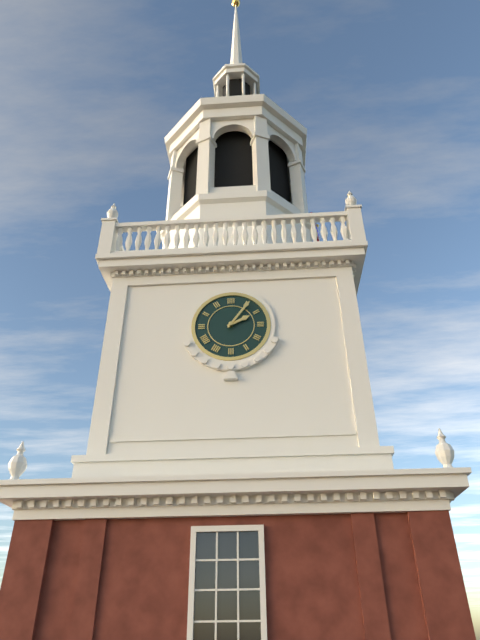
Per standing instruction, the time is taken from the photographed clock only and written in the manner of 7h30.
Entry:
2h06
